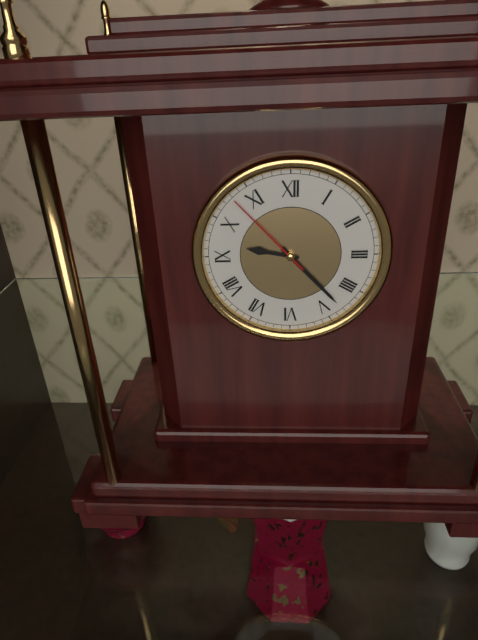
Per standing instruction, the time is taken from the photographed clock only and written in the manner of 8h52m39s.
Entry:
9h23m53s
